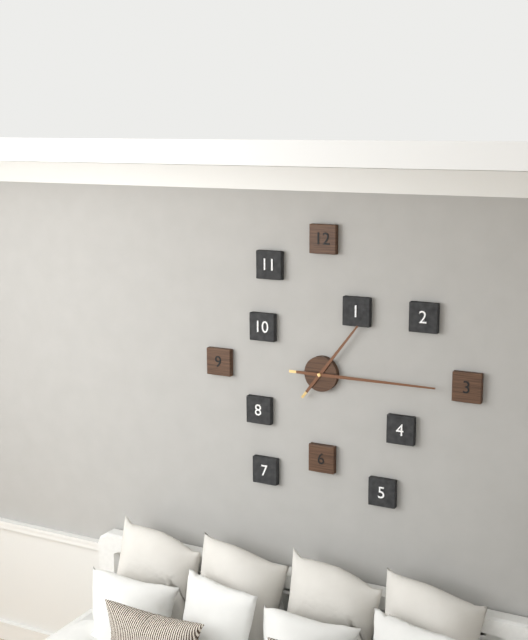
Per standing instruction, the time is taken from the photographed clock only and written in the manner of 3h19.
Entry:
1h15
